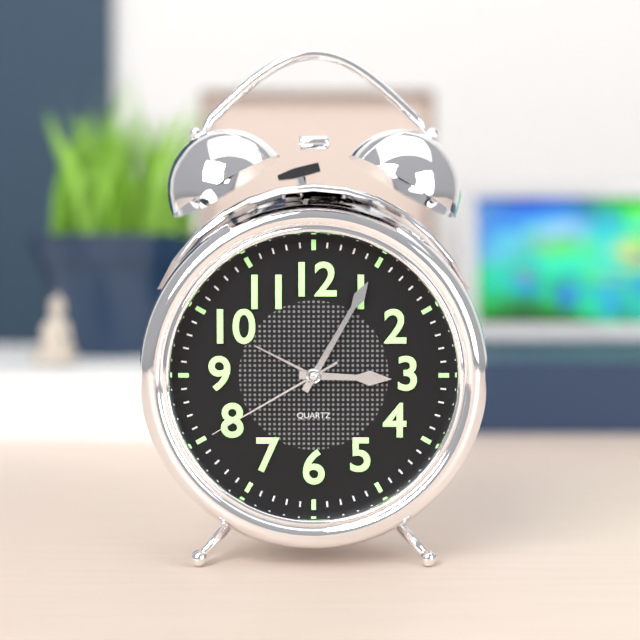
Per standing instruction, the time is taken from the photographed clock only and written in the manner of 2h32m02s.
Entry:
3h05m40s
